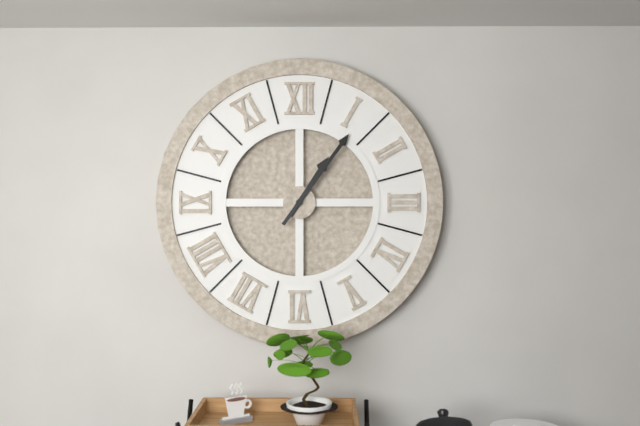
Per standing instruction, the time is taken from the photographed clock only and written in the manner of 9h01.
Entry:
1h06
